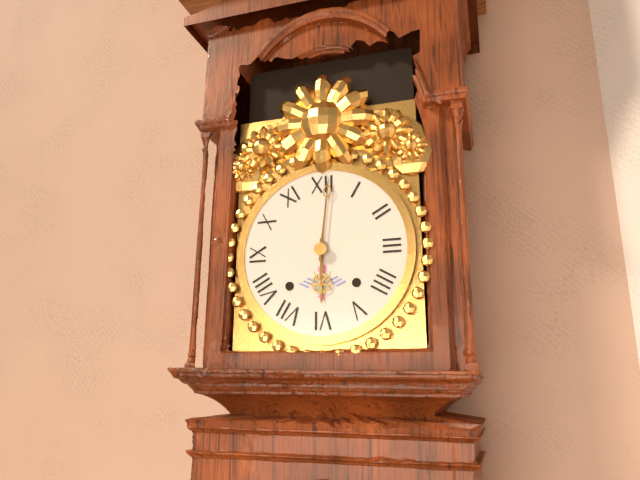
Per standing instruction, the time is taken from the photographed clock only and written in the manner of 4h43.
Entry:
6h01
